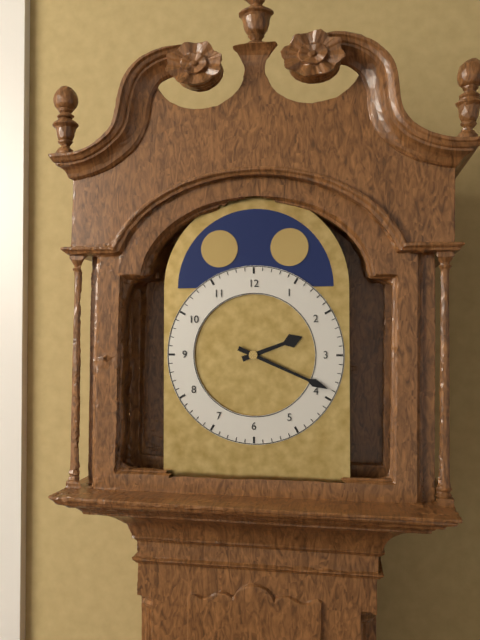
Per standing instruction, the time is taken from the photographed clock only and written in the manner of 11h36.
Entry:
2h19
